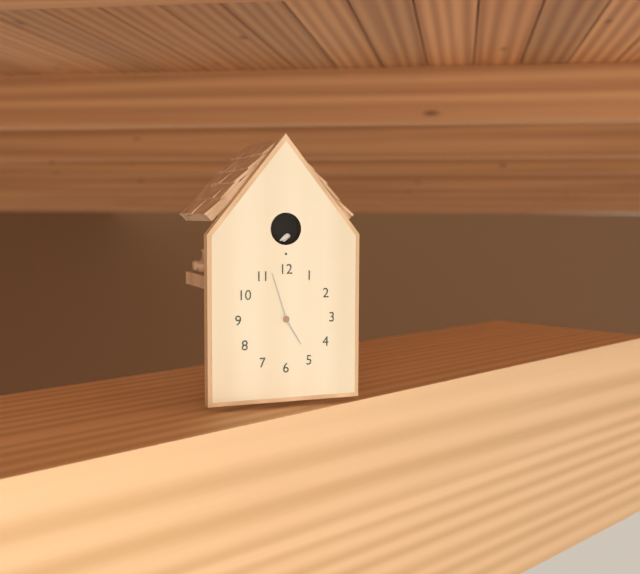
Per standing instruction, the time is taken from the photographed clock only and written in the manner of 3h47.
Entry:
4h57
